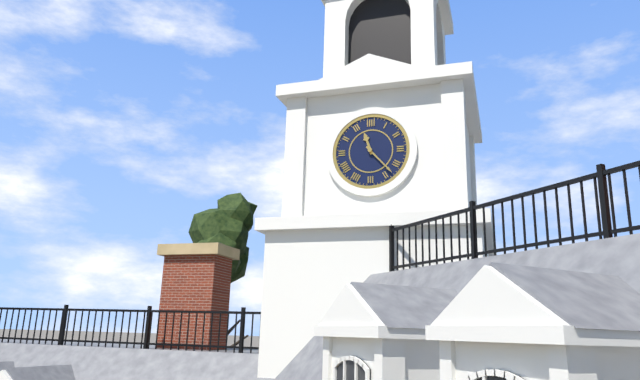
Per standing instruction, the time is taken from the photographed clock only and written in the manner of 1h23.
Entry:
11h23
